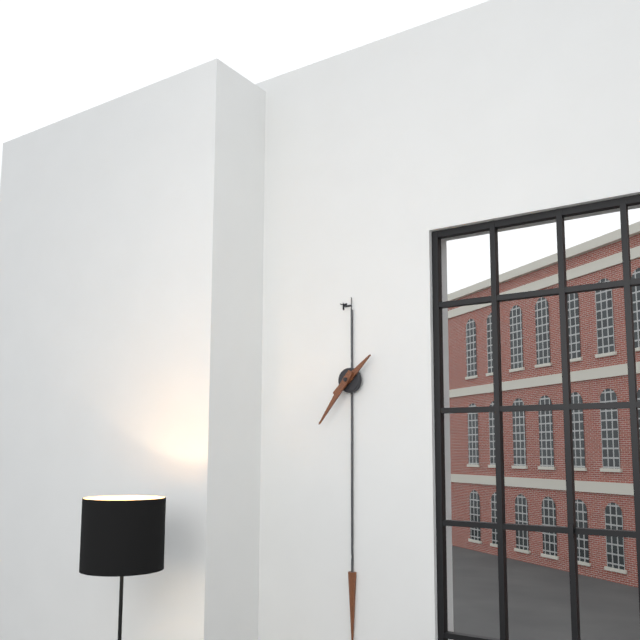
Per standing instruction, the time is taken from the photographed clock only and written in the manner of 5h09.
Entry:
1h36
